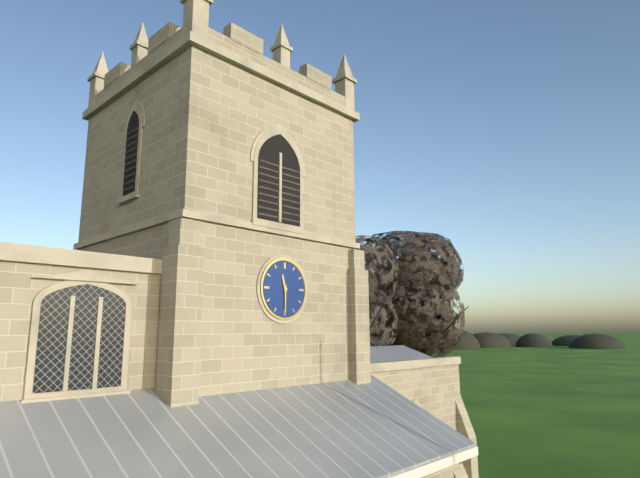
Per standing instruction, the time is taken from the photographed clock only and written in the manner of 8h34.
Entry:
11h30
